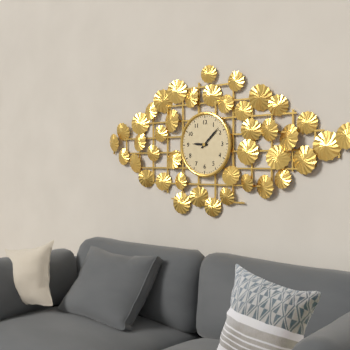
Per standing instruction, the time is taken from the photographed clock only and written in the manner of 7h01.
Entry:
9h08
